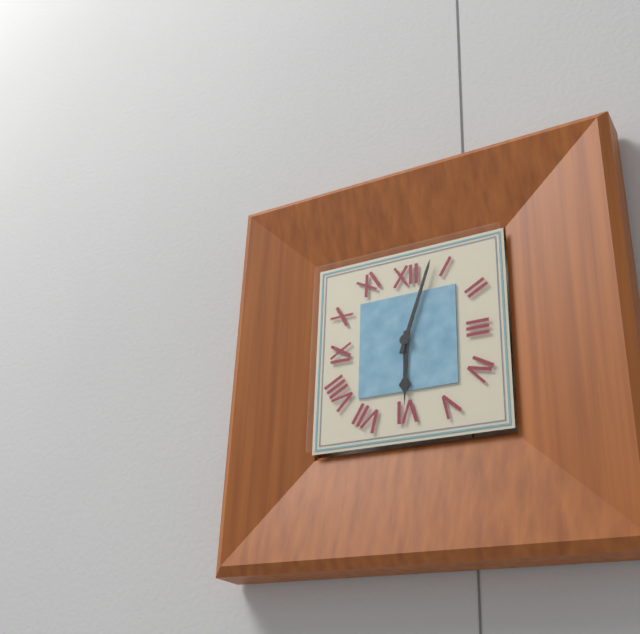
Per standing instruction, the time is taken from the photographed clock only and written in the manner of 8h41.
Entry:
6h03
